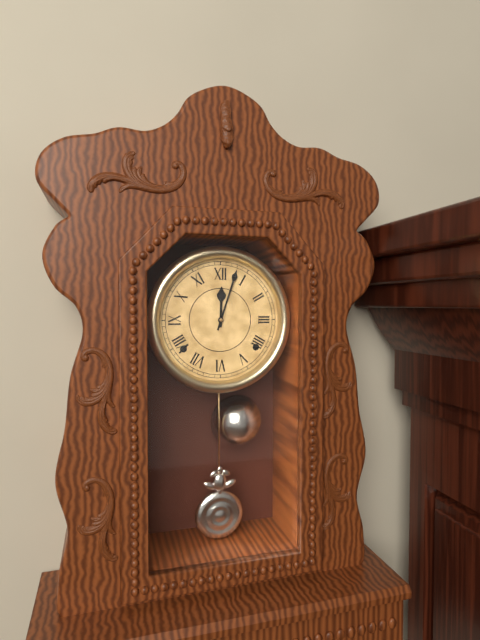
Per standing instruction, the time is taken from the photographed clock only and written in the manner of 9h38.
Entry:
12h03
